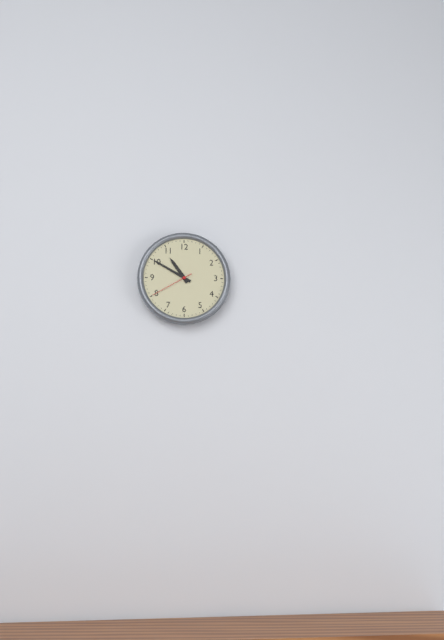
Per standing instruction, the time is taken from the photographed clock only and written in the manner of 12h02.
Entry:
10h50
